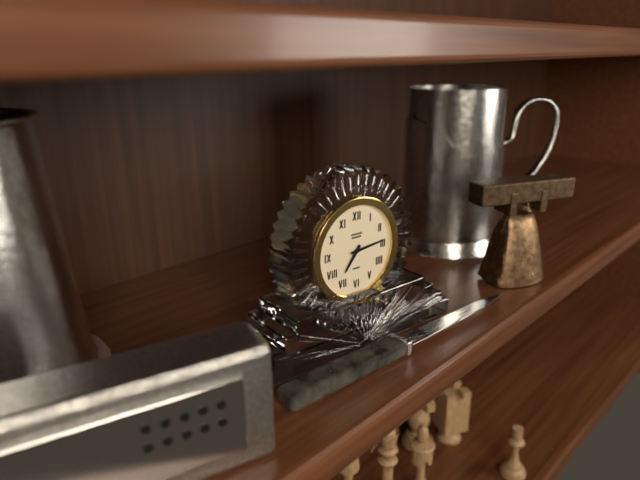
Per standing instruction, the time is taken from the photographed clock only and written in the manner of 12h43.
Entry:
7h14
